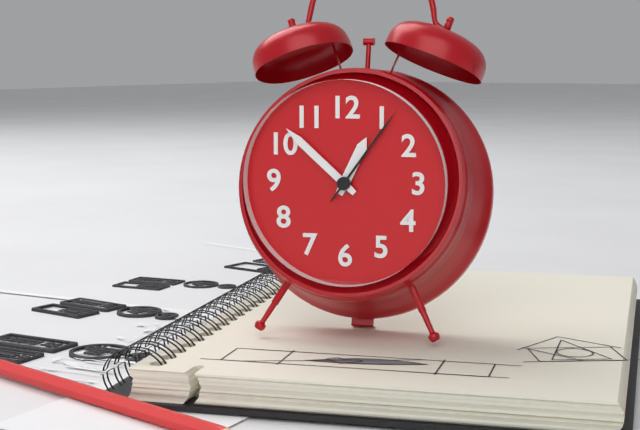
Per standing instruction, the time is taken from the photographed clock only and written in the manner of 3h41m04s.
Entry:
12h52m06s
